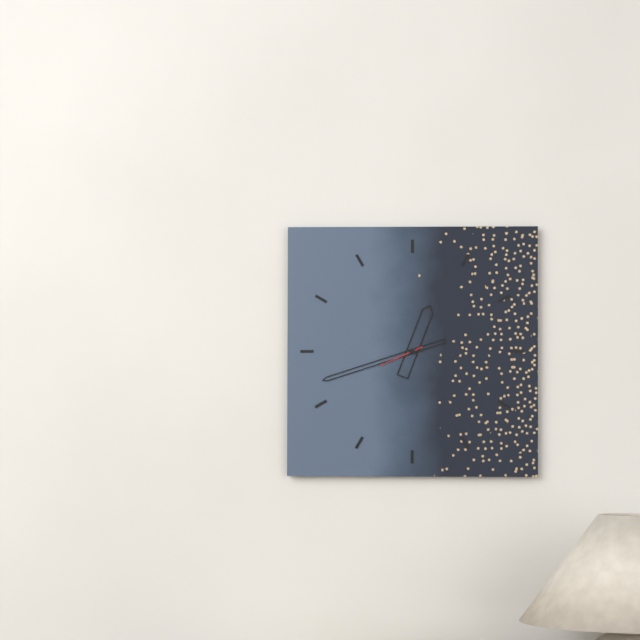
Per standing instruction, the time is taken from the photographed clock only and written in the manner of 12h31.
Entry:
12h42
